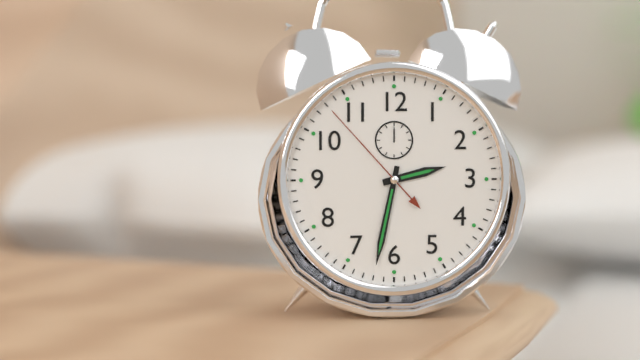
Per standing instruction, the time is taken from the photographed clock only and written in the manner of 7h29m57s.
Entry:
2h32m53s
